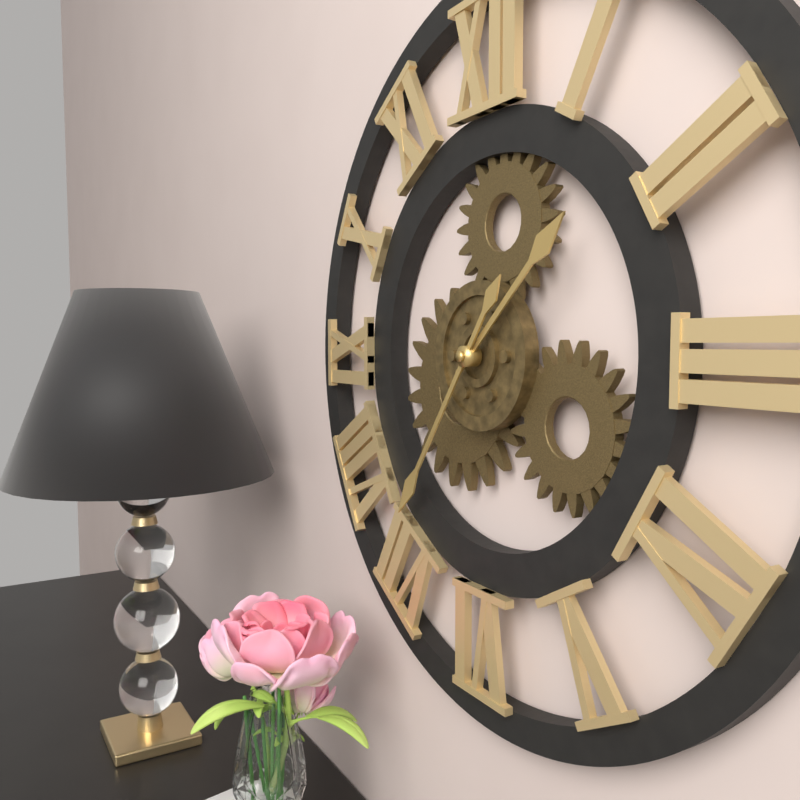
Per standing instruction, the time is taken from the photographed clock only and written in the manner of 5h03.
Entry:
1h36
